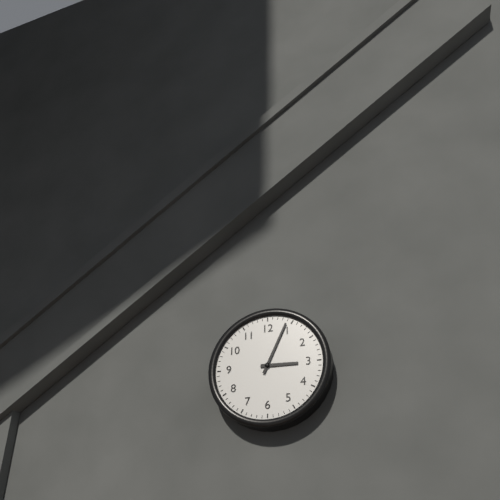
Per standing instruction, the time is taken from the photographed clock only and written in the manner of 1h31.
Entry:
3h04
